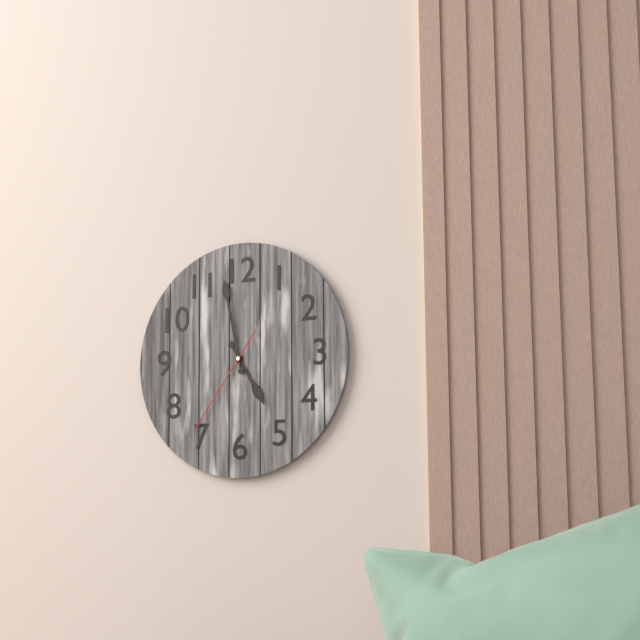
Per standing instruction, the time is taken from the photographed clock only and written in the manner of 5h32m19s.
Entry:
4h58m36s
